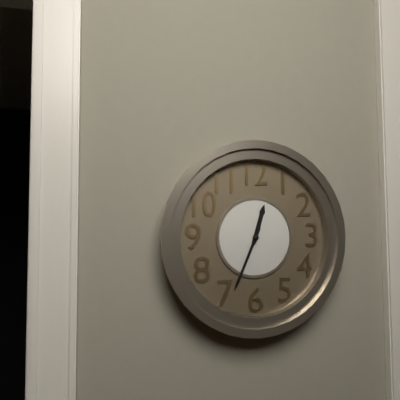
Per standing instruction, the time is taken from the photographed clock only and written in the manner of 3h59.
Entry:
12h34
